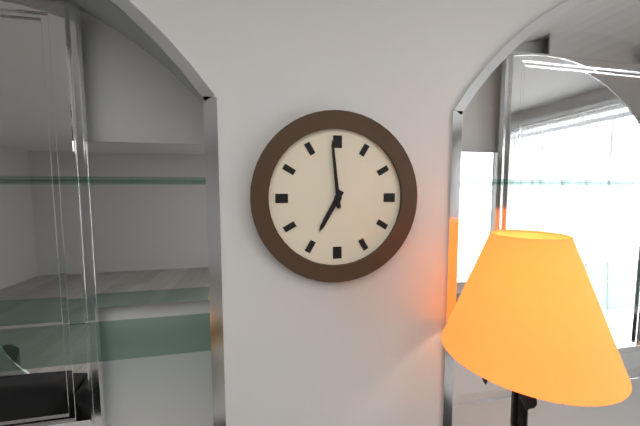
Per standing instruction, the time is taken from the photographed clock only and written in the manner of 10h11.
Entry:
6h59
